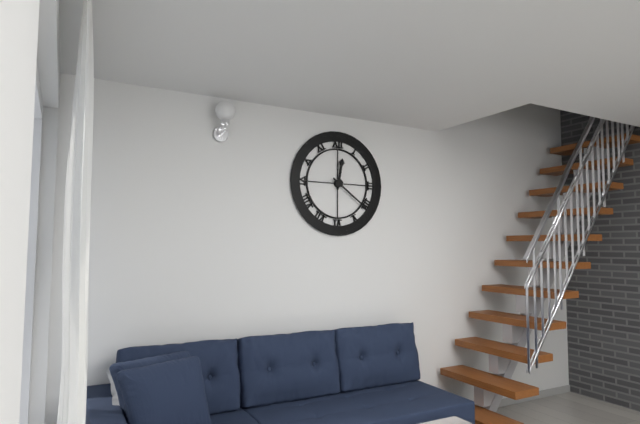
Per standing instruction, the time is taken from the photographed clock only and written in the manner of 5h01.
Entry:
12h21
